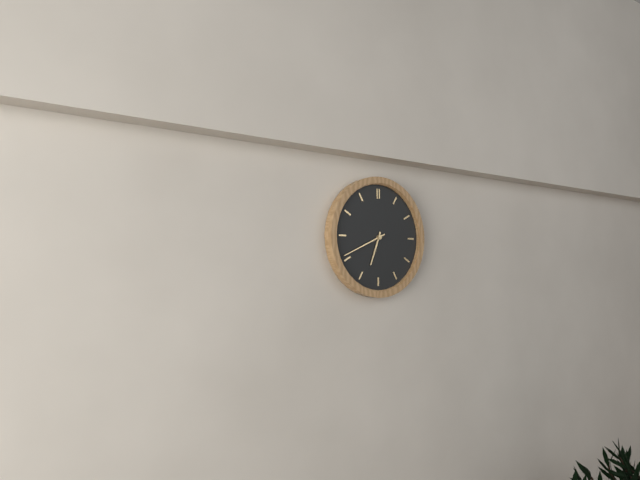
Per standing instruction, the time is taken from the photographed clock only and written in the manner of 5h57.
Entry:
6h41
